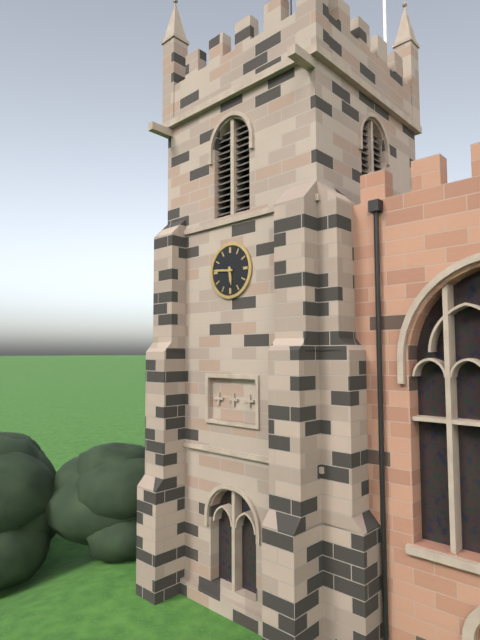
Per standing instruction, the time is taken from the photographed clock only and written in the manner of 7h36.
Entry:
5h46
